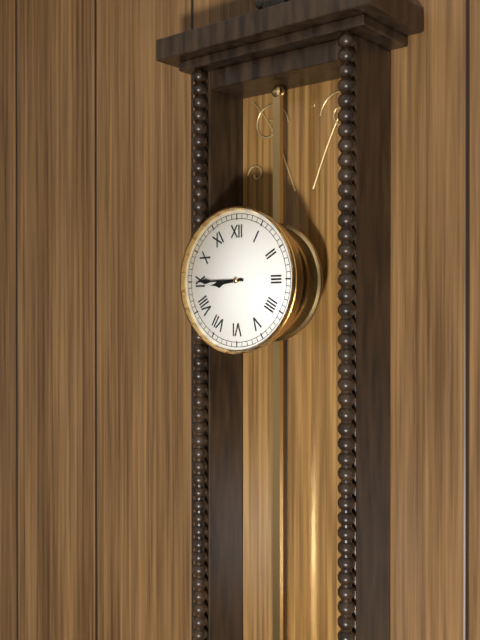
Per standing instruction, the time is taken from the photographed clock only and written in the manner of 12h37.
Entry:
8h45
